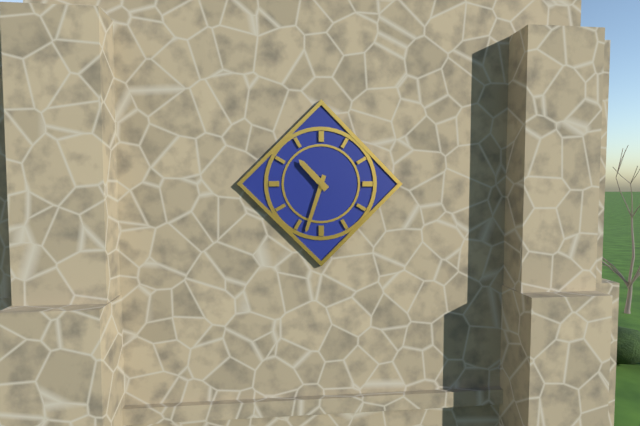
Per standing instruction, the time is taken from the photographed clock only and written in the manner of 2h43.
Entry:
10h33
